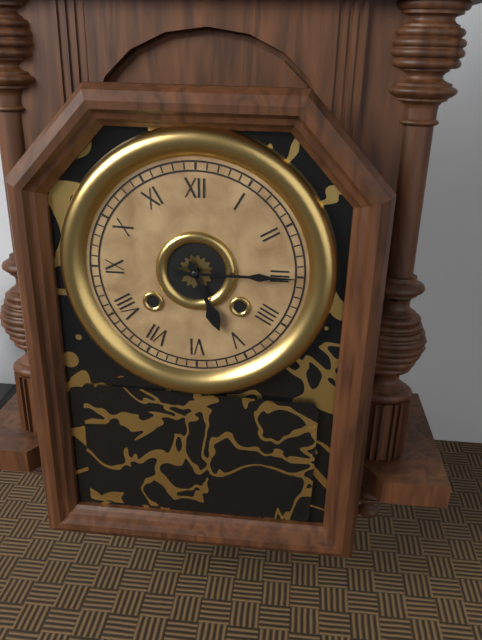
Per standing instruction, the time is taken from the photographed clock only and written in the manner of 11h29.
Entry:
5h15
